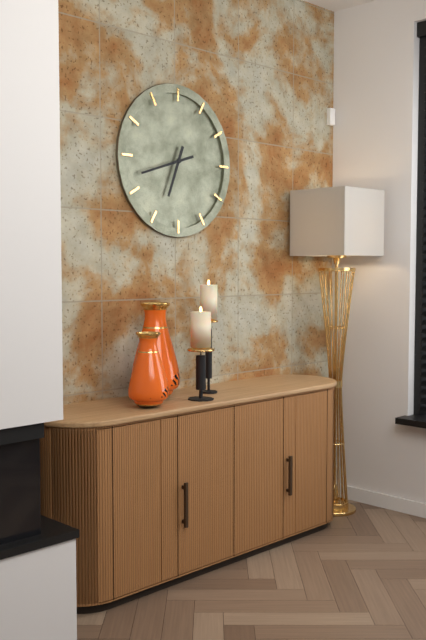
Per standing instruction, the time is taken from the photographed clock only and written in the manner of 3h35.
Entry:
6h42
